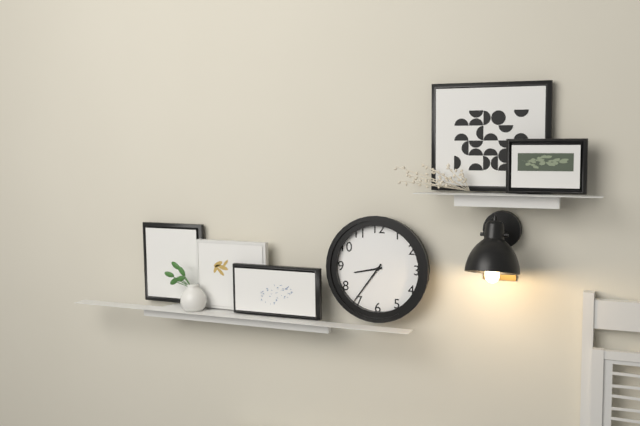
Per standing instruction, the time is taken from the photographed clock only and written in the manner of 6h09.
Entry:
8h36
